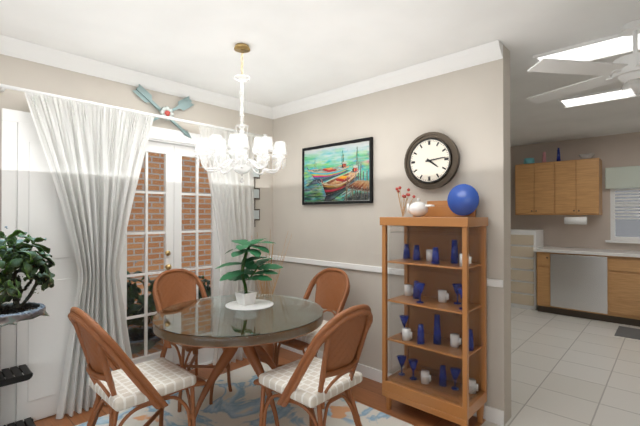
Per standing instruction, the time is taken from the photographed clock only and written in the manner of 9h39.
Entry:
4h14
